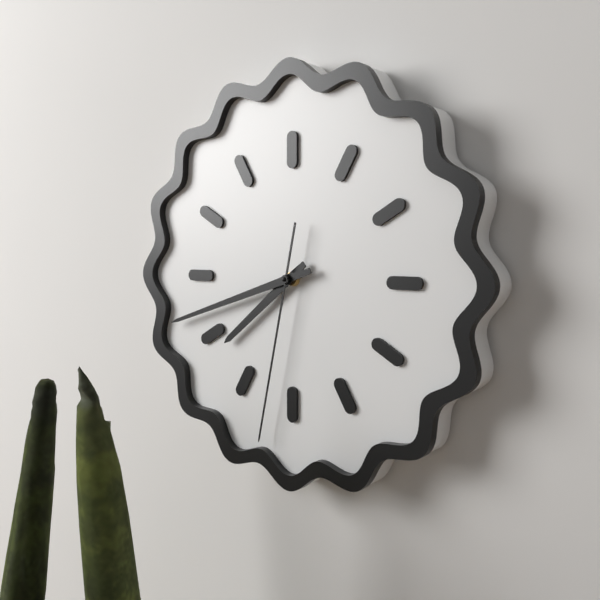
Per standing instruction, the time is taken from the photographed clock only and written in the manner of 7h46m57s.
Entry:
7h42m32s
